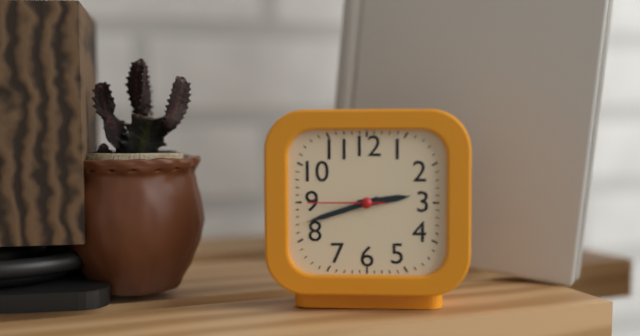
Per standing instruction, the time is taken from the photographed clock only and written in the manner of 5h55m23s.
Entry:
2h42m45s
